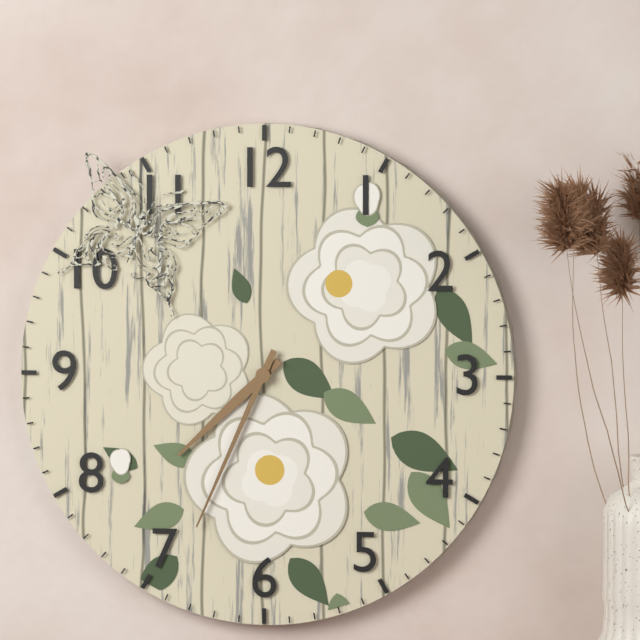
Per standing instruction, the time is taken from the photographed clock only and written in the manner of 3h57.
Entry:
7h34
